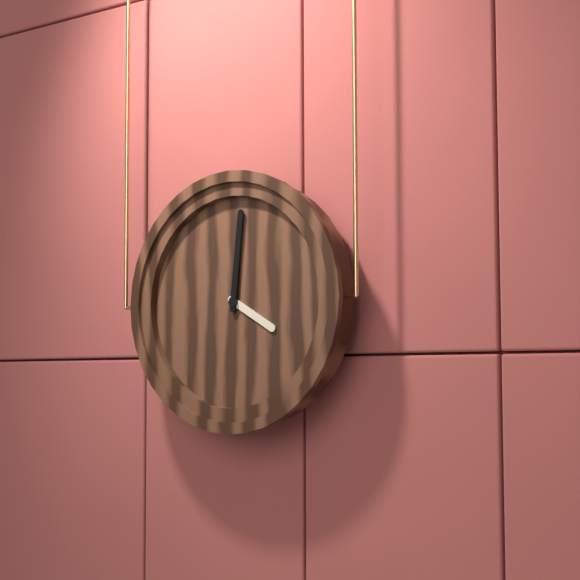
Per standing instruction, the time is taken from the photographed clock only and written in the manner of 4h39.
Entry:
4h01
